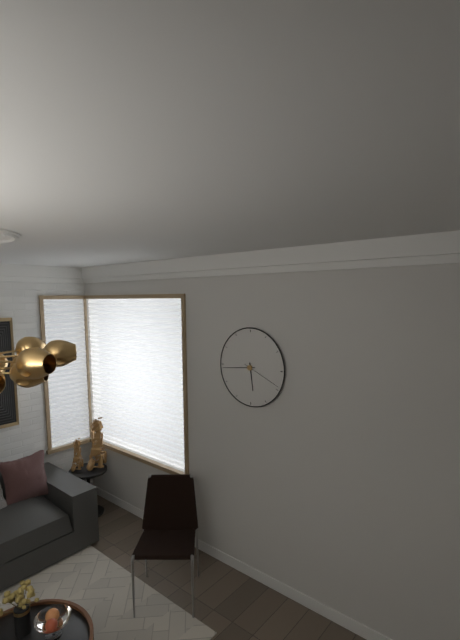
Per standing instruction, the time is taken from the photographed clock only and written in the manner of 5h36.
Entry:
5h44
